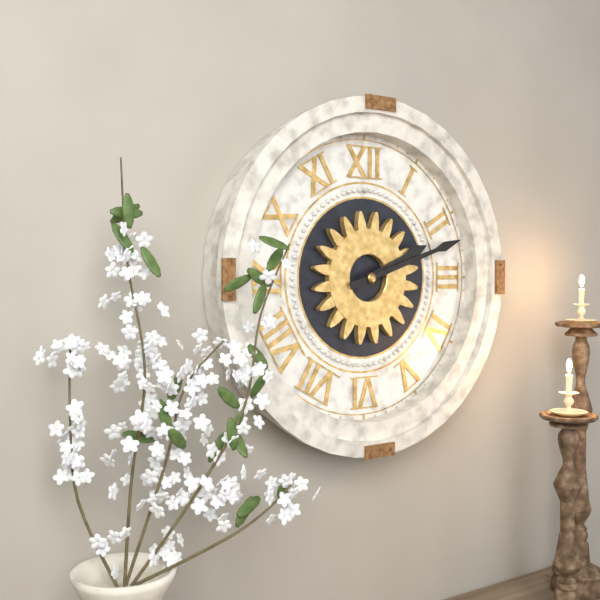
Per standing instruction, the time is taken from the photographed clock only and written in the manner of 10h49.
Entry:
2h12
